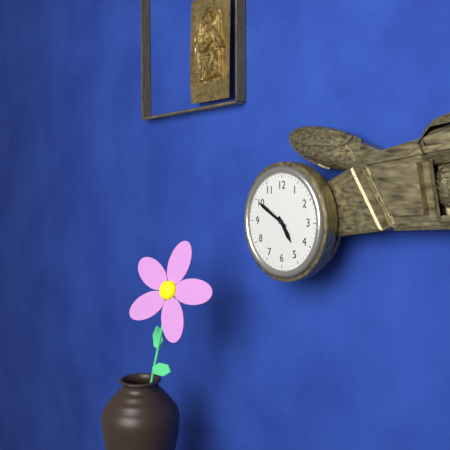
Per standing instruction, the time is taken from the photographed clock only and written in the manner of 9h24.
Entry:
4h50
